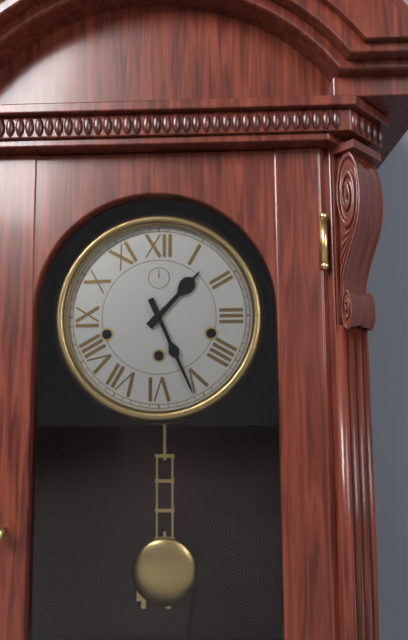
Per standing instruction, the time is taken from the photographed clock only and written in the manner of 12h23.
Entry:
1h26
